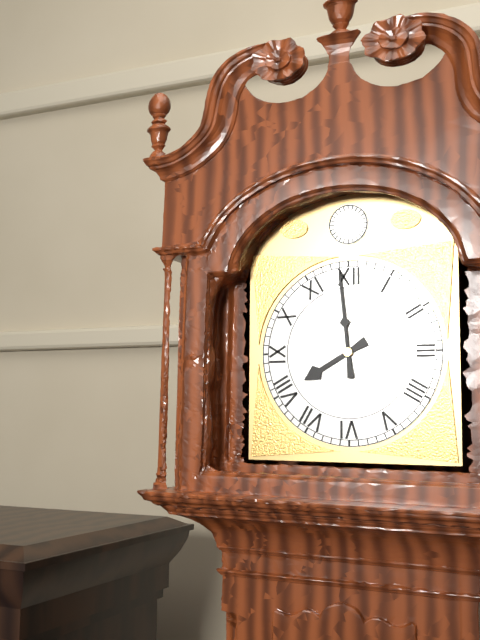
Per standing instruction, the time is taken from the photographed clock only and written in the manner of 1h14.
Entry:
7h59
